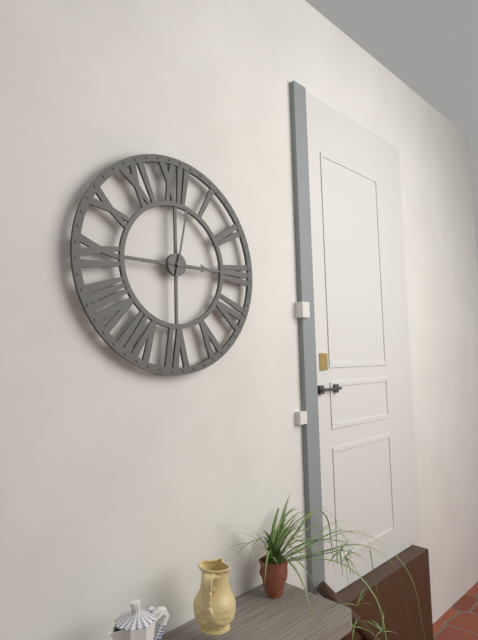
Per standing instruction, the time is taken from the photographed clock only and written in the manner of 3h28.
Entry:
3h02
